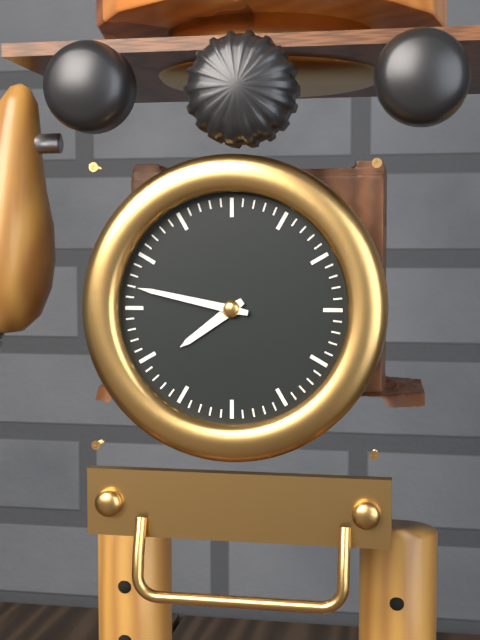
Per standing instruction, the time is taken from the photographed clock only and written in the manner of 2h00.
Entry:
7h47
